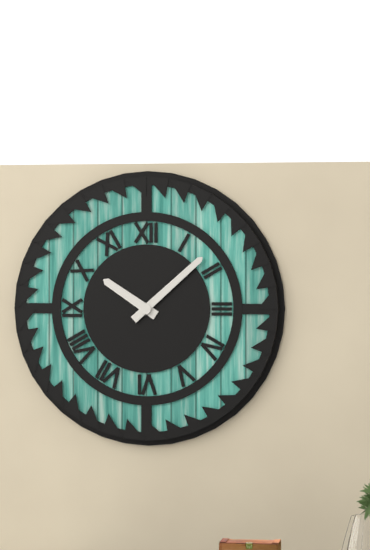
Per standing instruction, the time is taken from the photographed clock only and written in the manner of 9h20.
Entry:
10h08
